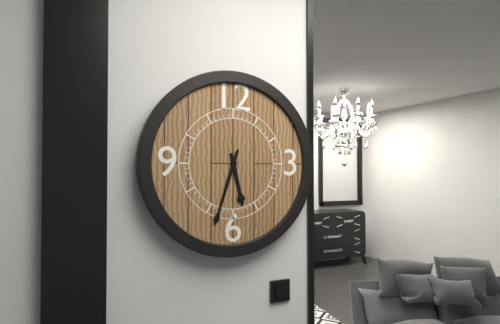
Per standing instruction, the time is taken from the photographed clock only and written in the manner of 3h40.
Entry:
5h33
